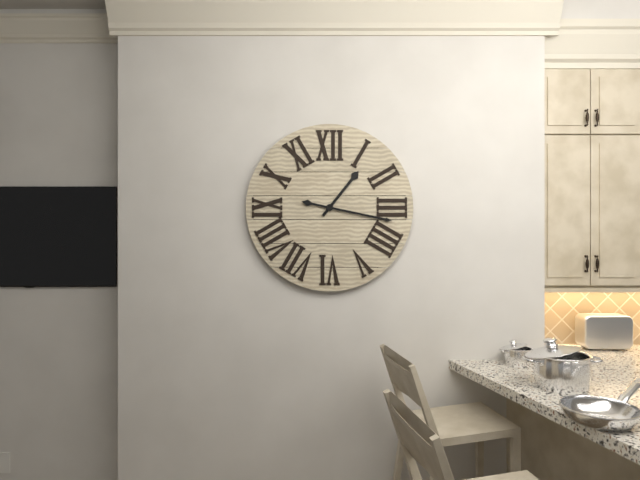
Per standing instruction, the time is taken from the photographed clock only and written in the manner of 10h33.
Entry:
1h17
